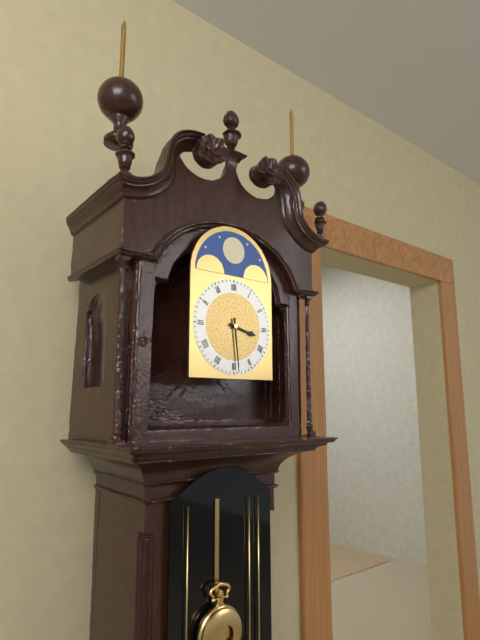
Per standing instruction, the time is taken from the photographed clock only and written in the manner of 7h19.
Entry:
3h29
